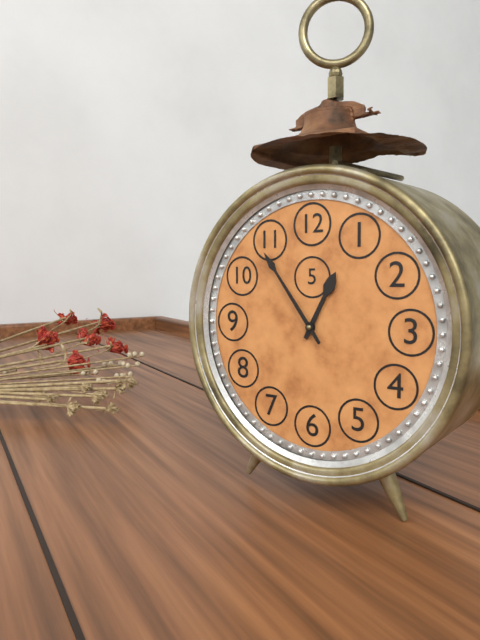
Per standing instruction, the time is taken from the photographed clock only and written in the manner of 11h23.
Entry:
12h54
